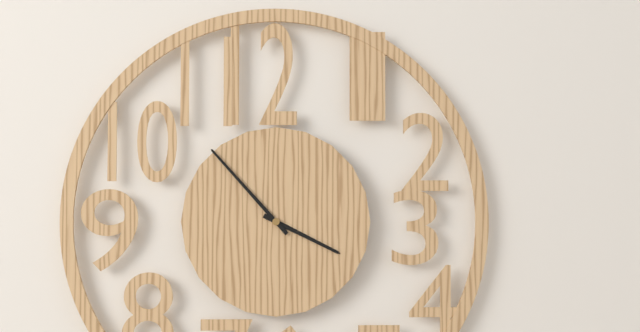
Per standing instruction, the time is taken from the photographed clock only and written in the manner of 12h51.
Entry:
3h53
